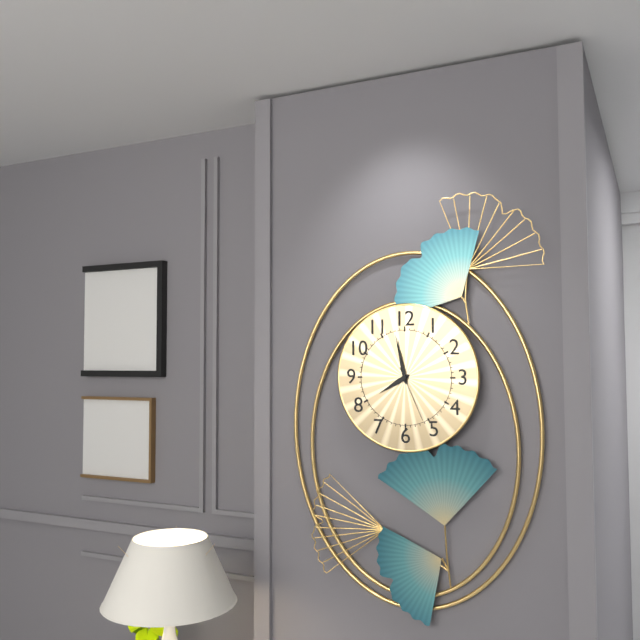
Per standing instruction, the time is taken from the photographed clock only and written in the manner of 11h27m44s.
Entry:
7h58m26s
